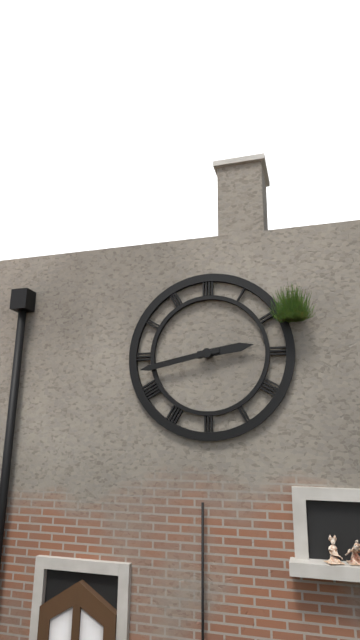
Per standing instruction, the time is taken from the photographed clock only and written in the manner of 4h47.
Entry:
2h43
